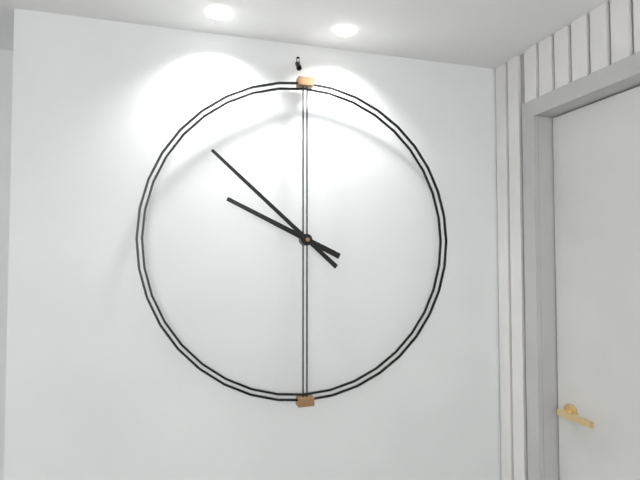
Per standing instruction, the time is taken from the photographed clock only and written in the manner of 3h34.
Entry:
9h52
